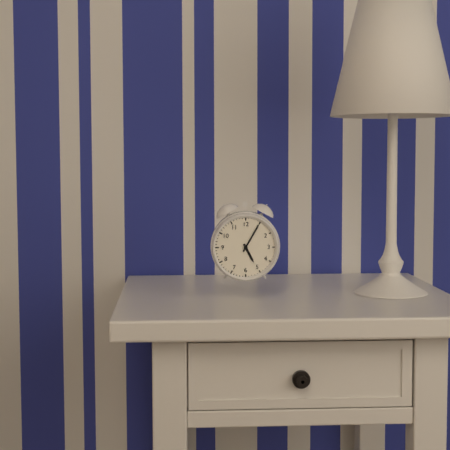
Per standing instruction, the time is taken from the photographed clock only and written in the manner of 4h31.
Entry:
5h05
